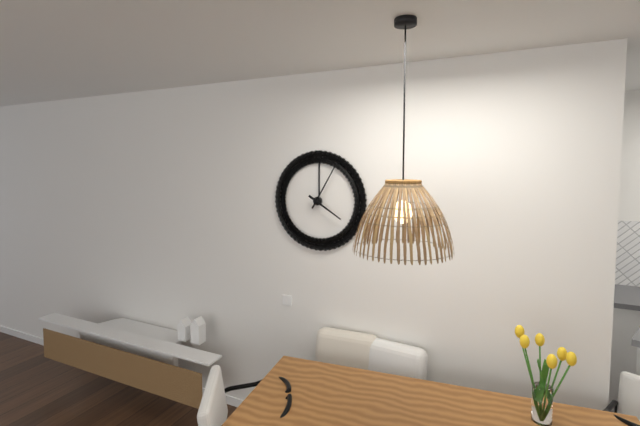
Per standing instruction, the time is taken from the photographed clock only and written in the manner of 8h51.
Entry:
4h05
